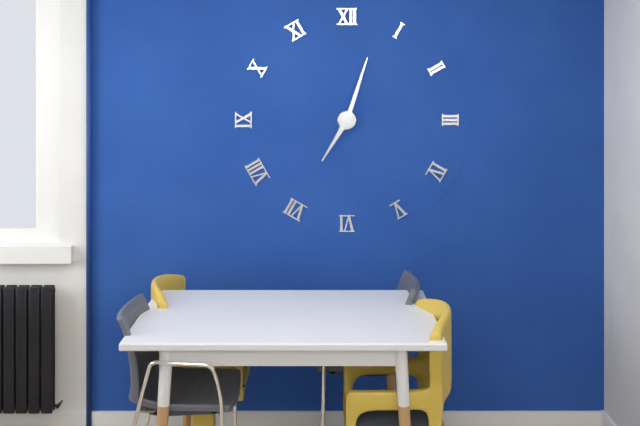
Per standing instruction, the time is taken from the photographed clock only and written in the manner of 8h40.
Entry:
7h03
